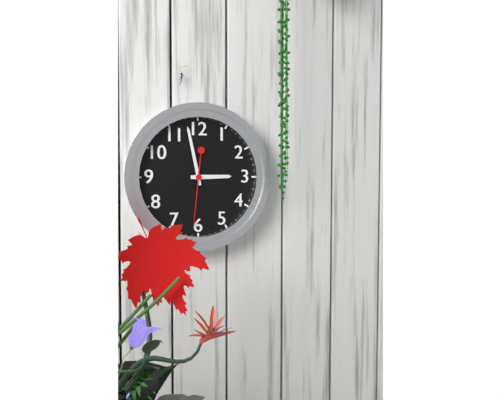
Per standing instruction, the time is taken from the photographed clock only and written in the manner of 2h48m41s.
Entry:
2h58m31s
